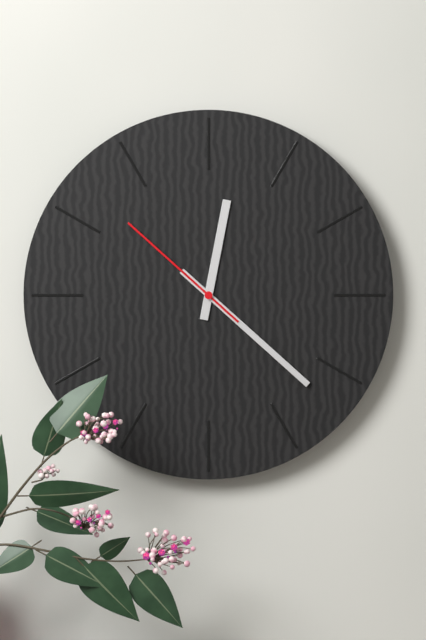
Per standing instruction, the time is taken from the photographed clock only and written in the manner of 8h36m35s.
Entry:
12h22m52s
